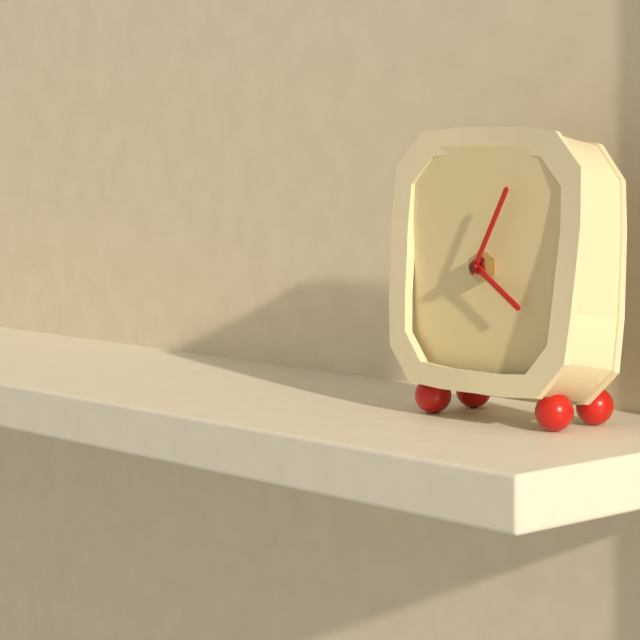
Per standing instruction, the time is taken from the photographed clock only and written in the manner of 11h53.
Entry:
4h05
